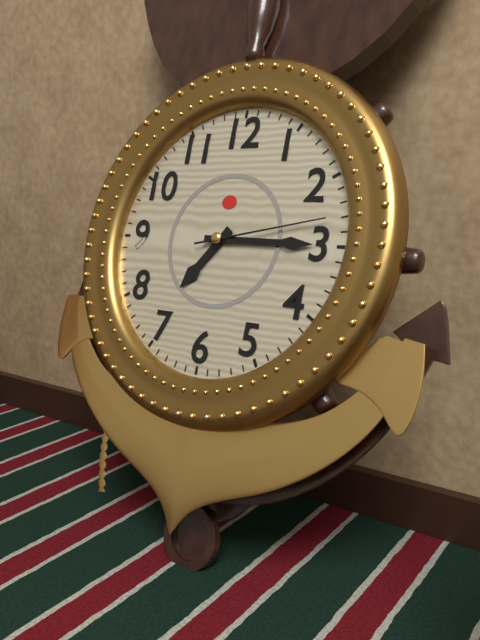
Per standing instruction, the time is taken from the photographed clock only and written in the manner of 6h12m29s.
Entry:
7h15m13s
